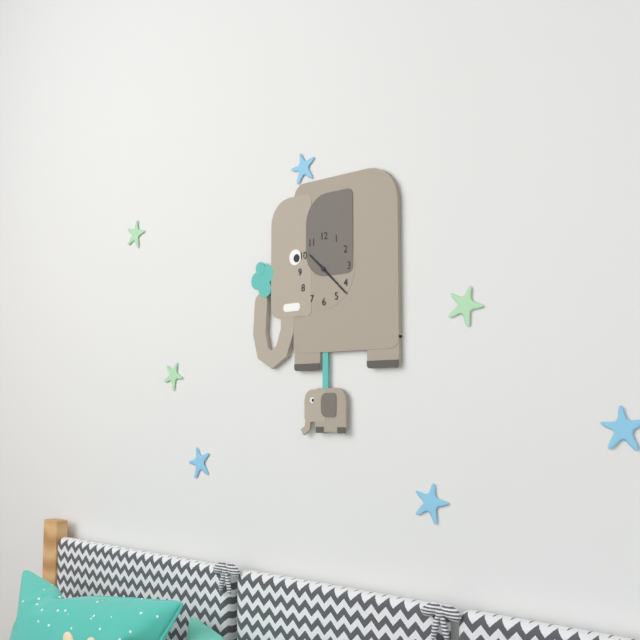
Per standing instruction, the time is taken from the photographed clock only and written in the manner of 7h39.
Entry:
10h22
